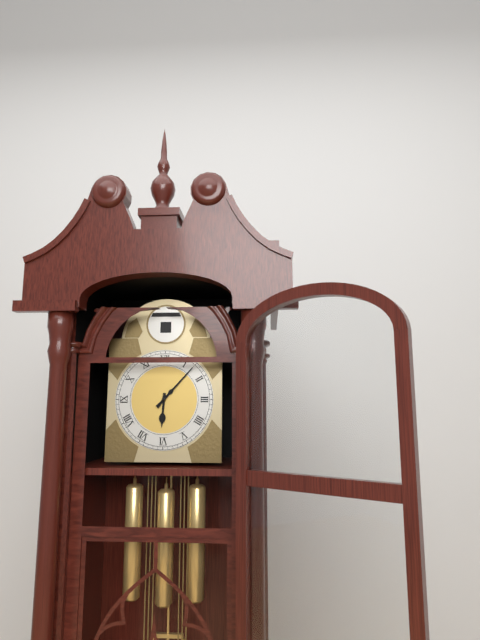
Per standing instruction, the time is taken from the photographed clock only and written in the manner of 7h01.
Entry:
6h07
